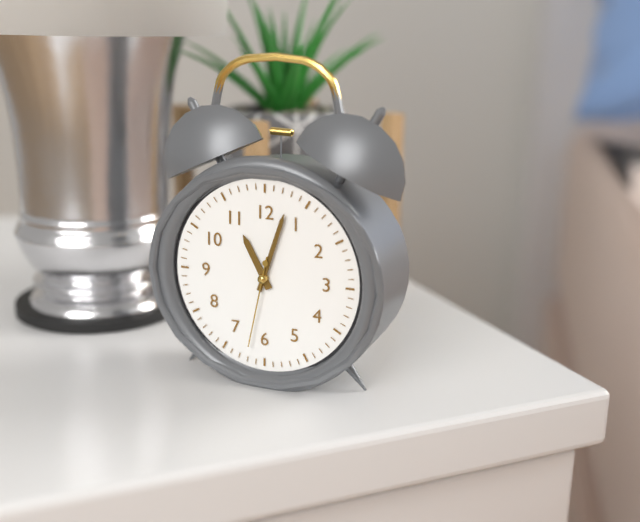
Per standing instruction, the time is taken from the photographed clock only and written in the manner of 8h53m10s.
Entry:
11h03m32s
